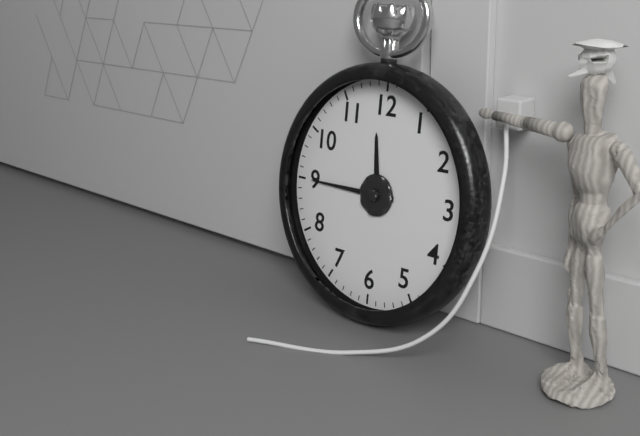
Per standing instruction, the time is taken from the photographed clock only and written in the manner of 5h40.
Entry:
11h45
